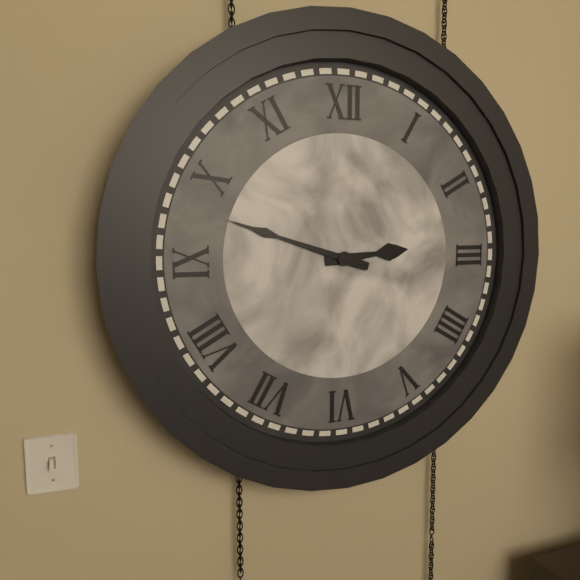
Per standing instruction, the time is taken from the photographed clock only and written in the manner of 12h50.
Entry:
2h48
